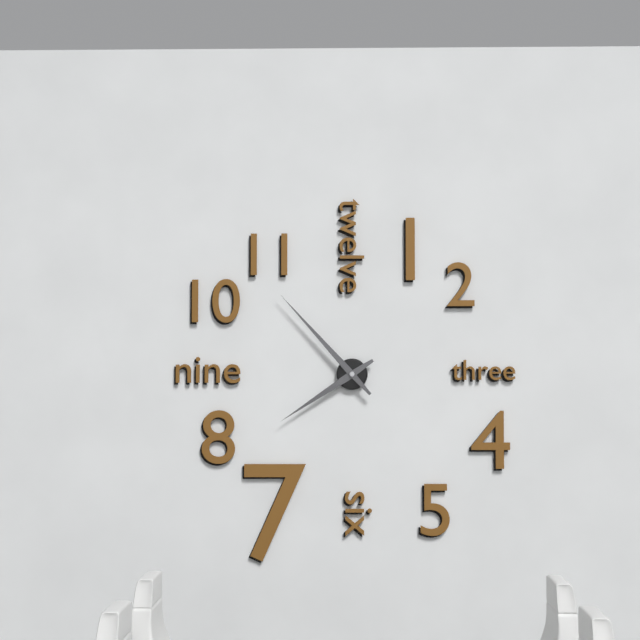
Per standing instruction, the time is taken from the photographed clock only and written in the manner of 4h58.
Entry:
7h53
